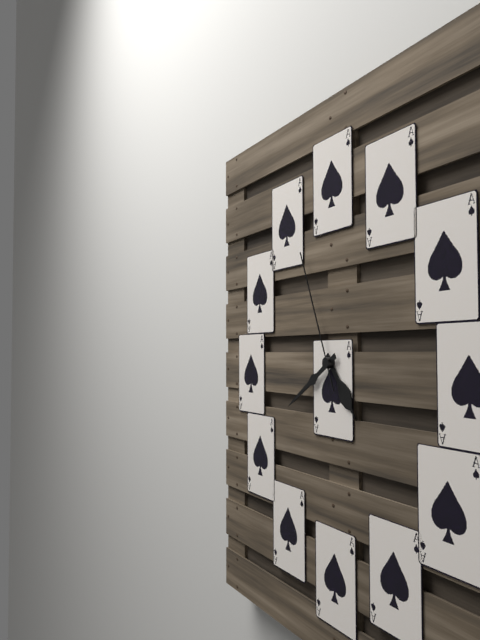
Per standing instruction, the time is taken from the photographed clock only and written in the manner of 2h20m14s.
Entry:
4h40m56s
